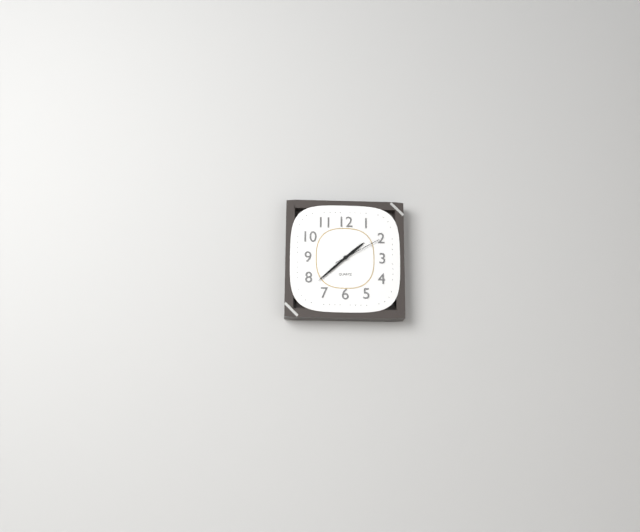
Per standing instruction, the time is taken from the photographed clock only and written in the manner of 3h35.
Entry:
1h38
